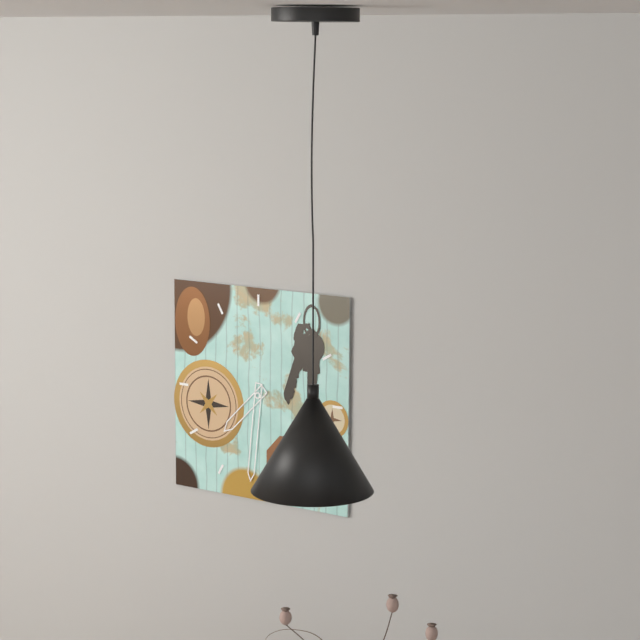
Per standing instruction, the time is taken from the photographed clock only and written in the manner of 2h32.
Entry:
7h31
